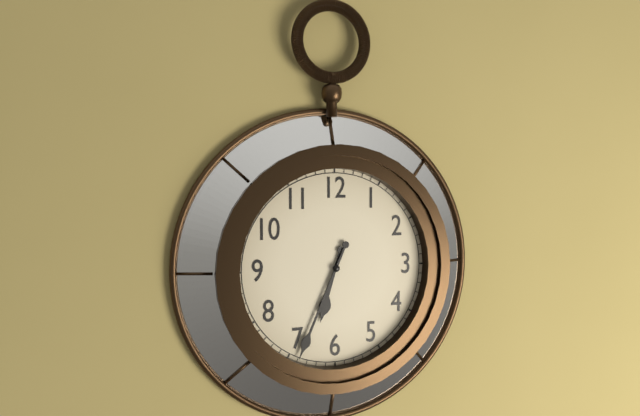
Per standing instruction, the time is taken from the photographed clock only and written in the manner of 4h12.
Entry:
6h34
